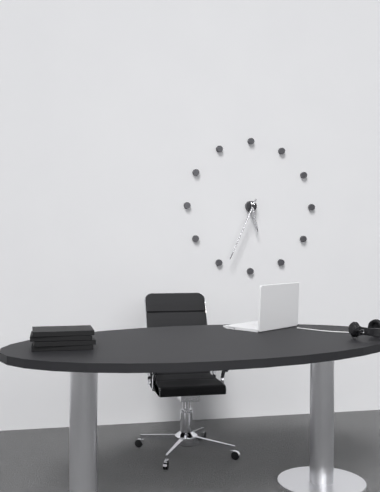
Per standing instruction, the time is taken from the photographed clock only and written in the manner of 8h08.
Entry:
5h34
